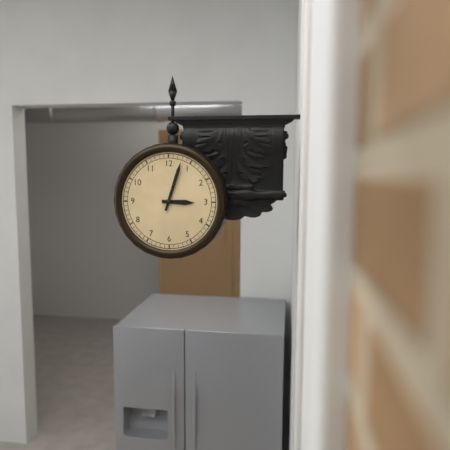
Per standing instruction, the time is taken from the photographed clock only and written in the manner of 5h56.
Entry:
3h03
